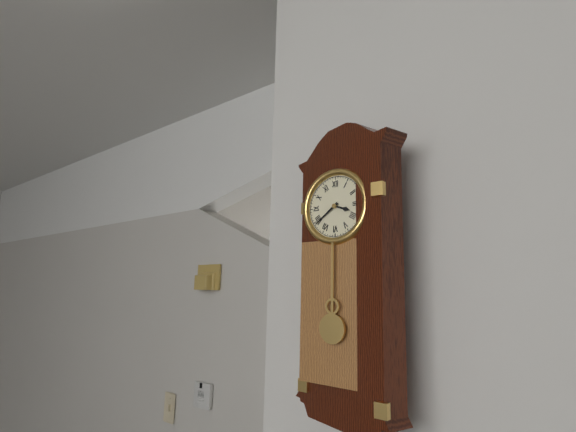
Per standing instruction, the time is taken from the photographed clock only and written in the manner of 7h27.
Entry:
3h39
